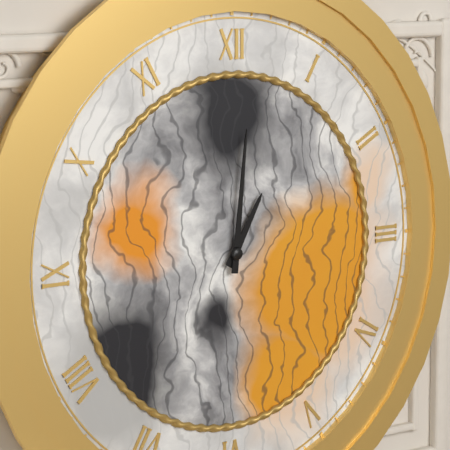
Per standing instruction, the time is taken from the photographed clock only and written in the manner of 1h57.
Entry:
1h01
